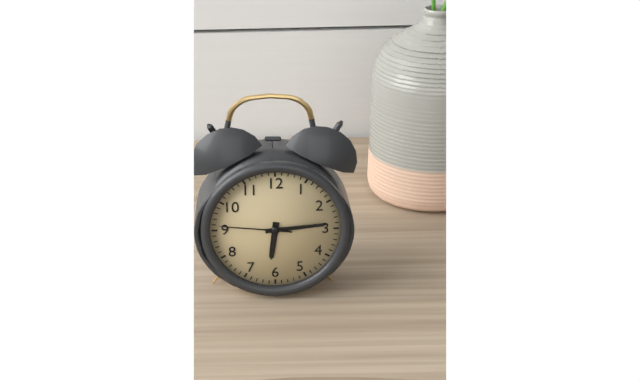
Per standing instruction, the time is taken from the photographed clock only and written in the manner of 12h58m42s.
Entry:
6h14m46s
